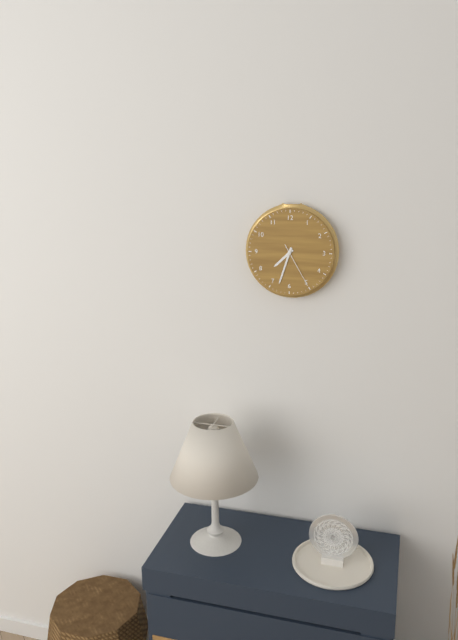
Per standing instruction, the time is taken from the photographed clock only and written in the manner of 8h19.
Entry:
7h33
